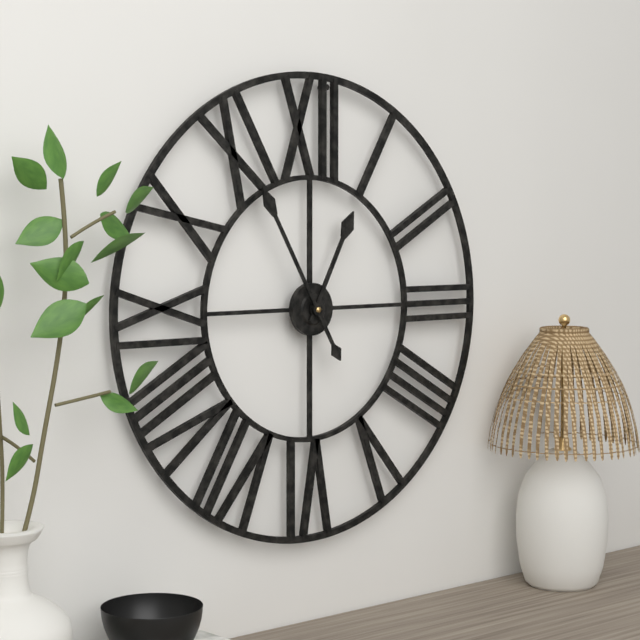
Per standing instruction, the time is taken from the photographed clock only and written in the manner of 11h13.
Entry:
12h55
